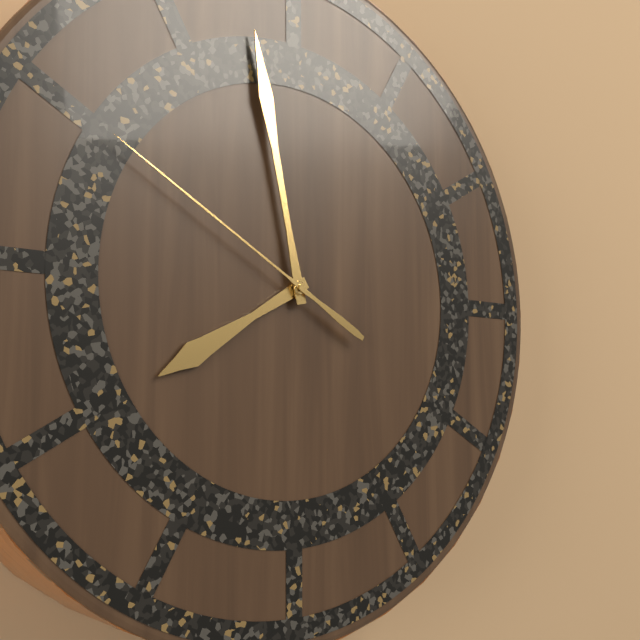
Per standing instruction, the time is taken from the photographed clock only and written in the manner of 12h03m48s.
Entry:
7h58m50s
